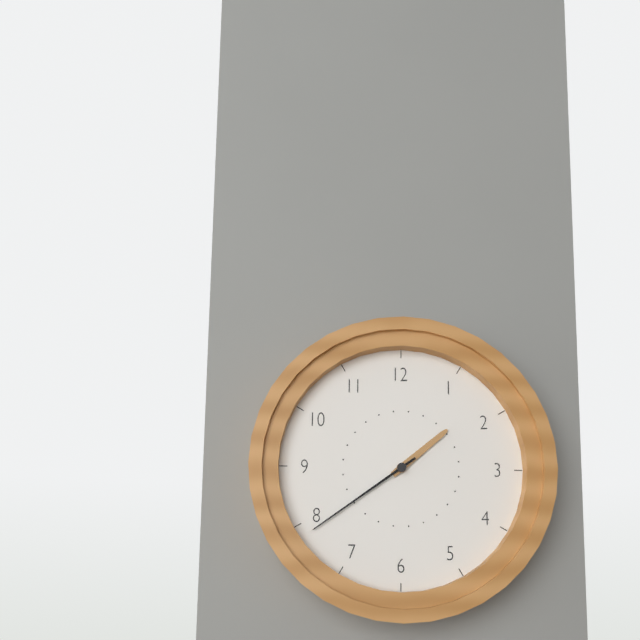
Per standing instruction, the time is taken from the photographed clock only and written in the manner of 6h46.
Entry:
1h39
